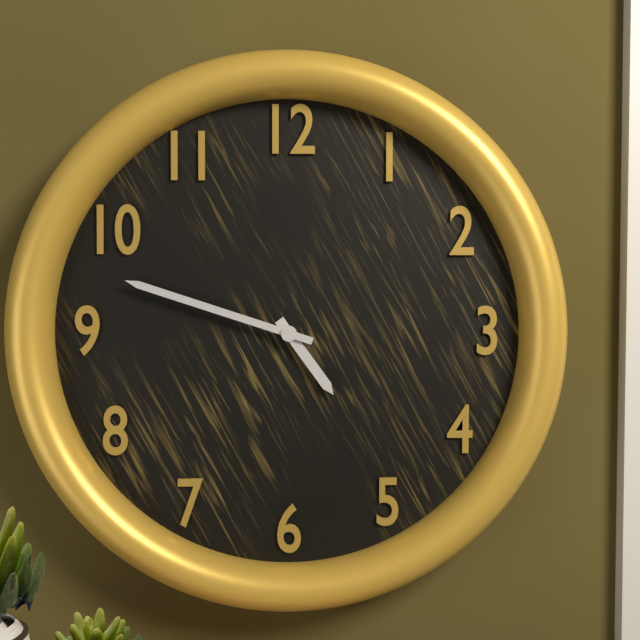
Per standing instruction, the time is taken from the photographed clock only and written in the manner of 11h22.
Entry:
4h48
